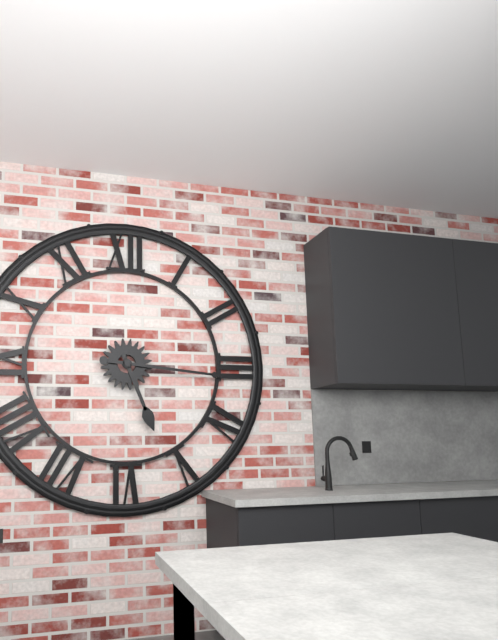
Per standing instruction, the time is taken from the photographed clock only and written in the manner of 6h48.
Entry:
5h16
